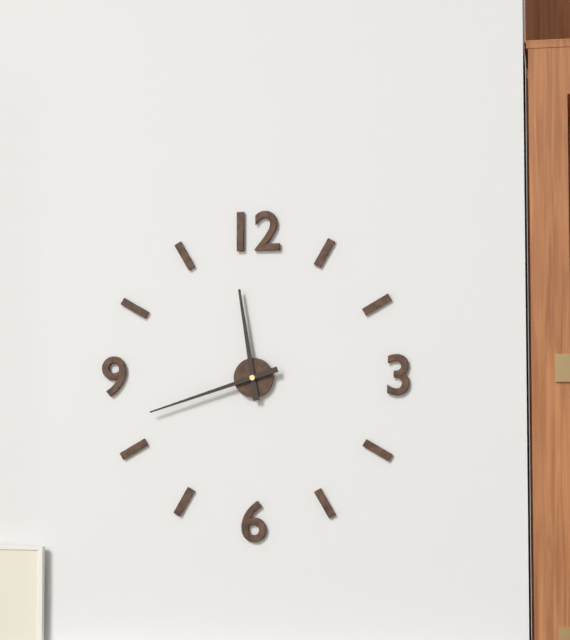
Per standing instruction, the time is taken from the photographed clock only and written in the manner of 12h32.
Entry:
11h42
